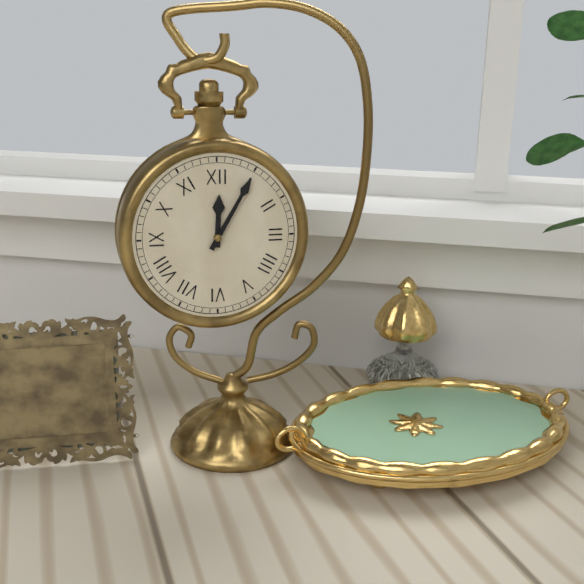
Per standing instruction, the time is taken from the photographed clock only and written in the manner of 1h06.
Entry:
12h05
